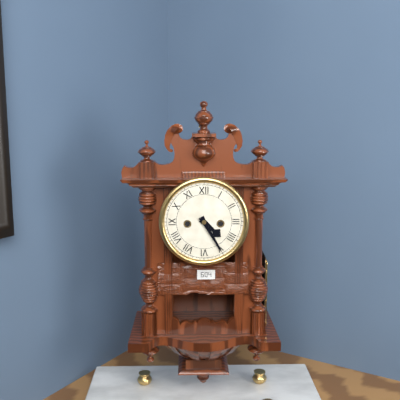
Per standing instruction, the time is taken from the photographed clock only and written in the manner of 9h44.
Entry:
4h25
